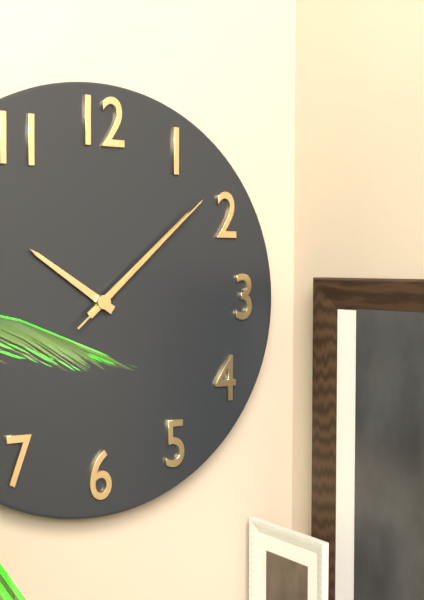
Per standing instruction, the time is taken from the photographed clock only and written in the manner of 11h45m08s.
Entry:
10h08m08s
